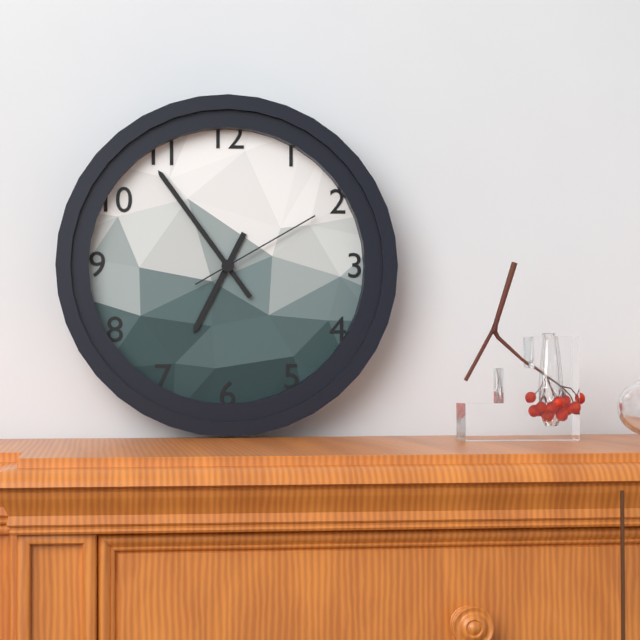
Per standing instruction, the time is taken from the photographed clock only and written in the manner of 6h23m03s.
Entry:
6h54m10s
